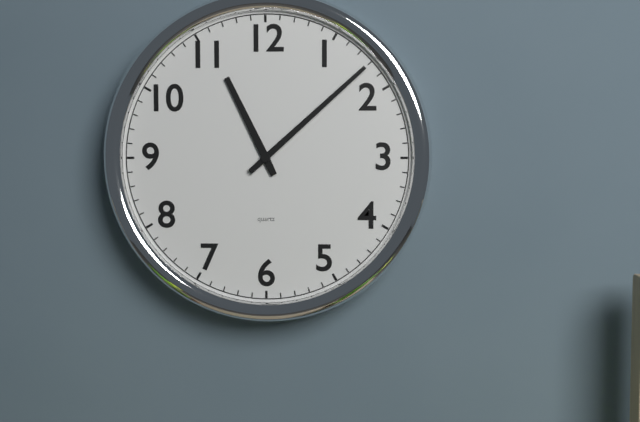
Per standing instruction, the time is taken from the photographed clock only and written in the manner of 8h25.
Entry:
11h08
